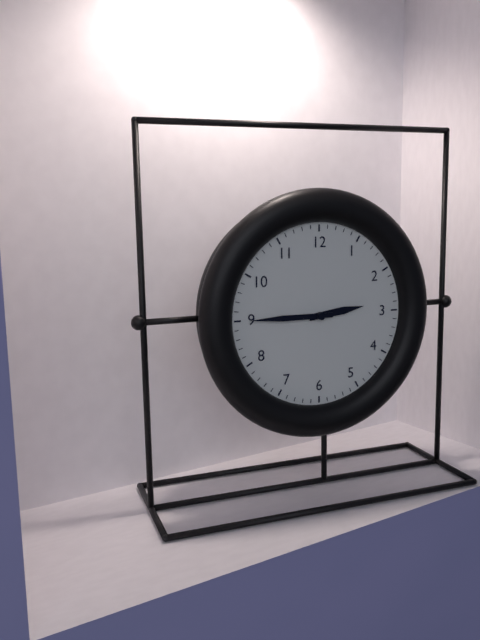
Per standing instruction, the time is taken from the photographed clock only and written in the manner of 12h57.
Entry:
2h45
